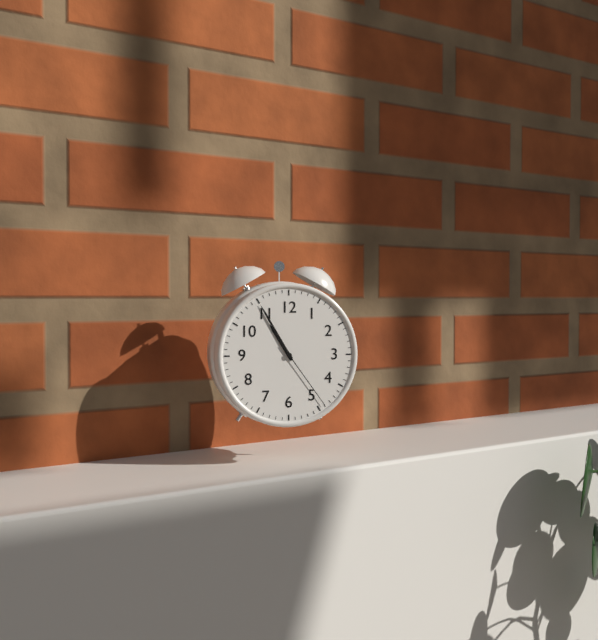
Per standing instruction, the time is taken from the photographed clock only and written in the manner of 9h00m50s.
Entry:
10h55m24s
